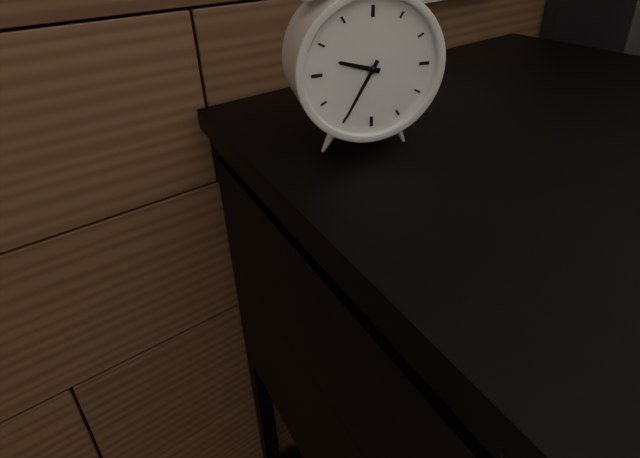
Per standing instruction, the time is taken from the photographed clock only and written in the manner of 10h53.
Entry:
9h35
